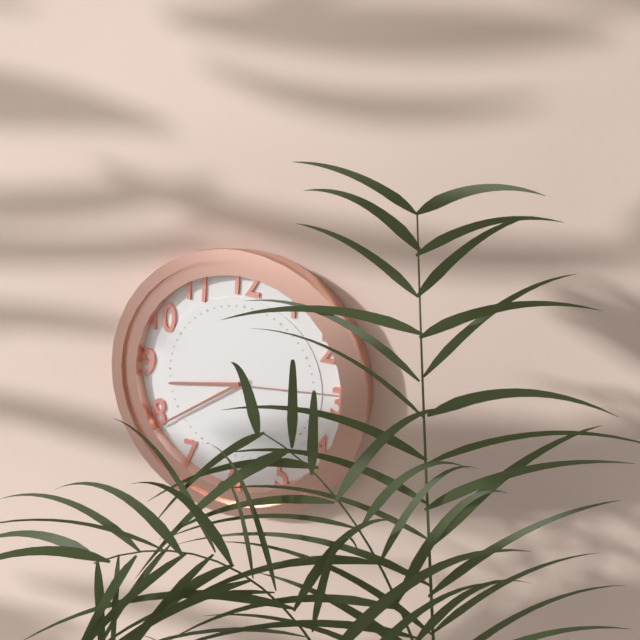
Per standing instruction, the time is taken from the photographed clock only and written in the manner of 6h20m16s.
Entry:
8h39m14s
